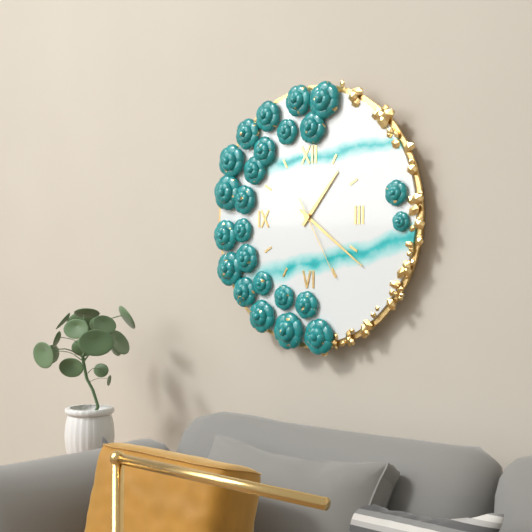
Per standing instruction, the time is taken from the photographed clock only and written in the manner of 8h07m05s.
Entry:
1h21m25s
